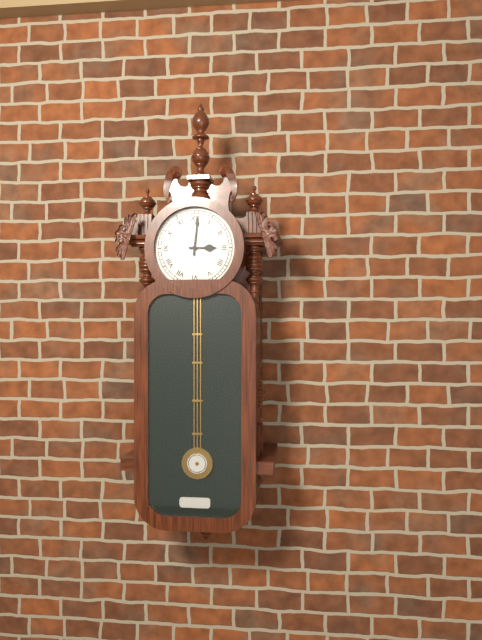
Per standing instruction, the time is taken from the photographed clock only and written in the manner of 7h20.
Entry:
3h01
